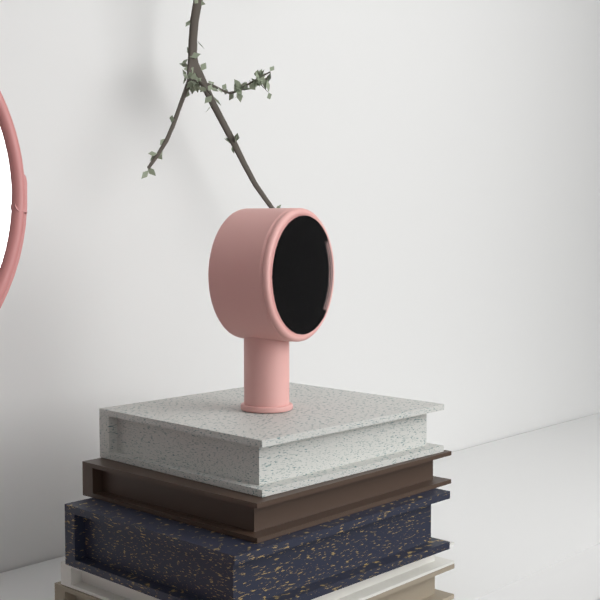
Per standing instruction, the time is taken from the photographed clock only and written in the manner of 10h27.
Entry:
10h34
